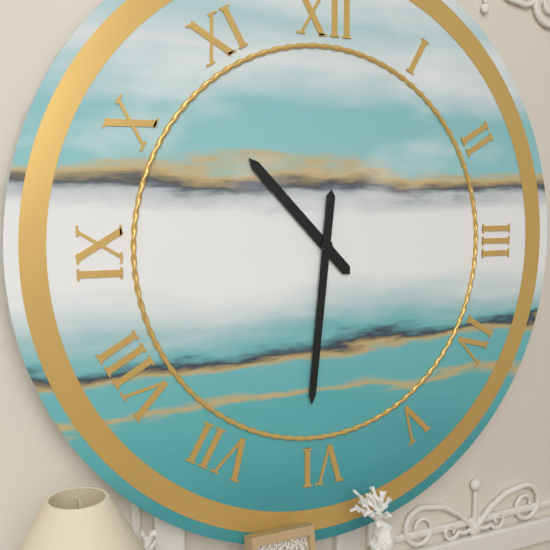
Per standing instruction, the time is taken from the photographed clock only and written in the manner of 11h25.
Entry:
10h31
